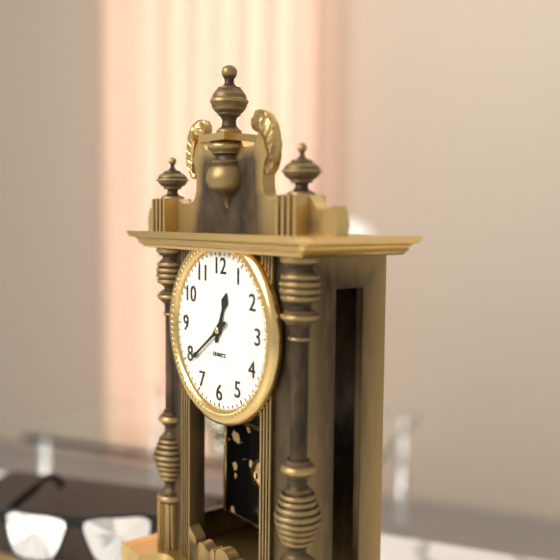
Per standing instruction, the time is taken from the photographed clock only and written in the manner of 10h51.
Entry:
12h39
